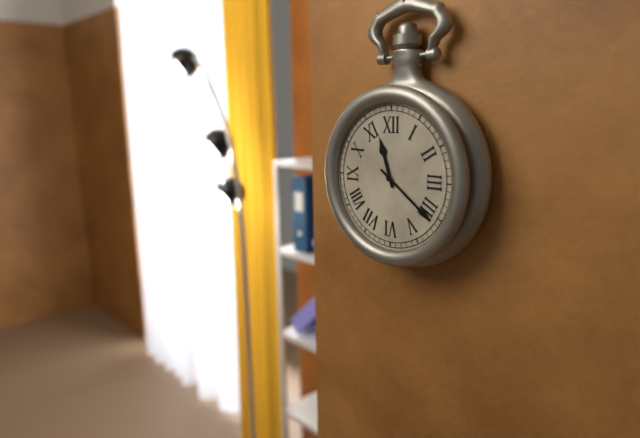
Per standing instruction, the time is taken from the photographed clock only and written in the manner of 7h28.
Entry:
11h21
